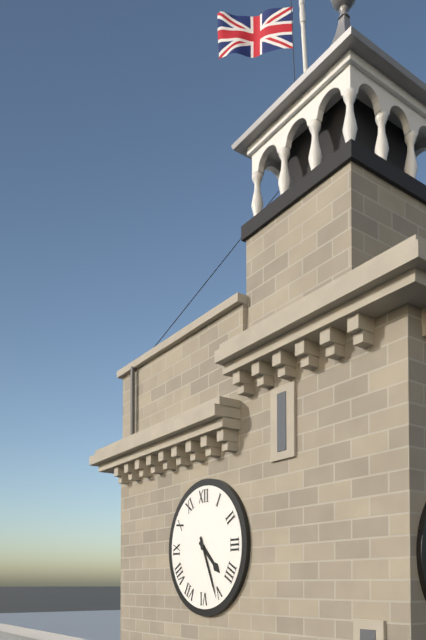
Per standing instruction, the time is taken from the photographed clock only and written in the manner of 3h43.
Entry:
4h26
